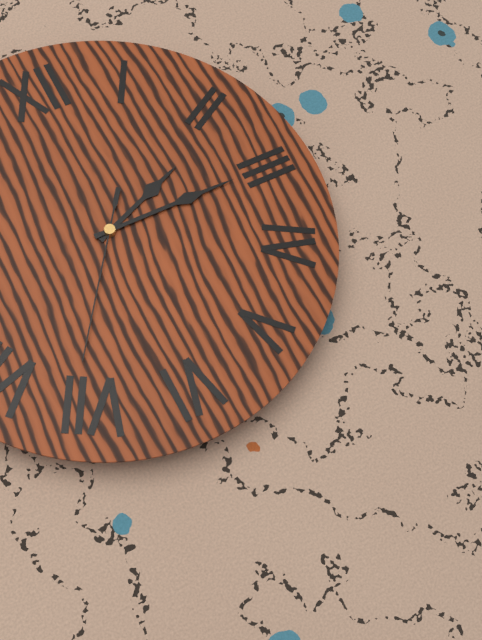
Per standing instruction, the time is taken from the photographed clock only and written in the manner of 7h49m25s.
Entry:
2h15m36s
